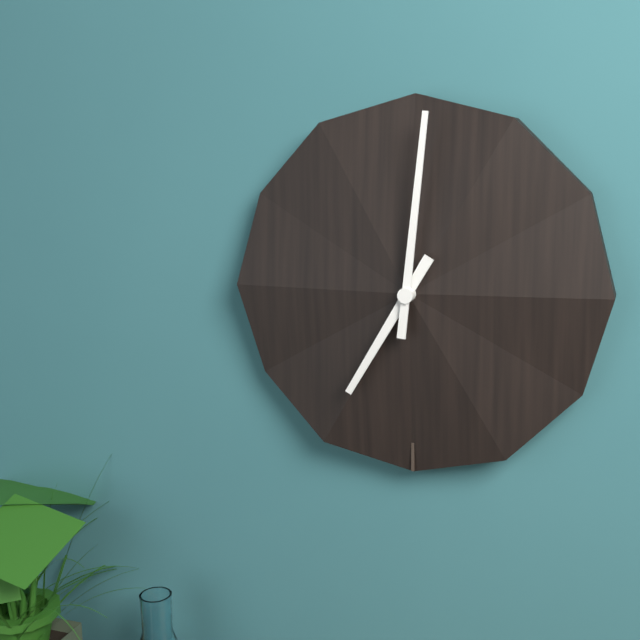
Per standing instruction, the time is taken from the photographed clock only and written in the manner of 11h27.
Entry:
7h01
